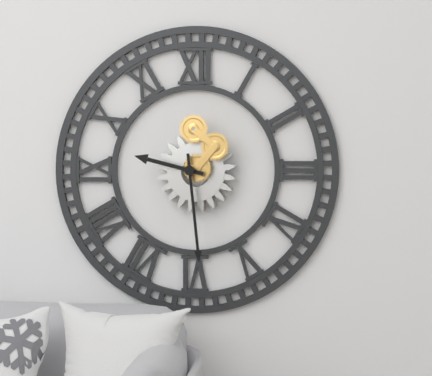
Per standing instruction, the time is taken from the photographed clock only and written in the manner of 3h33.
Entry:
9h29
